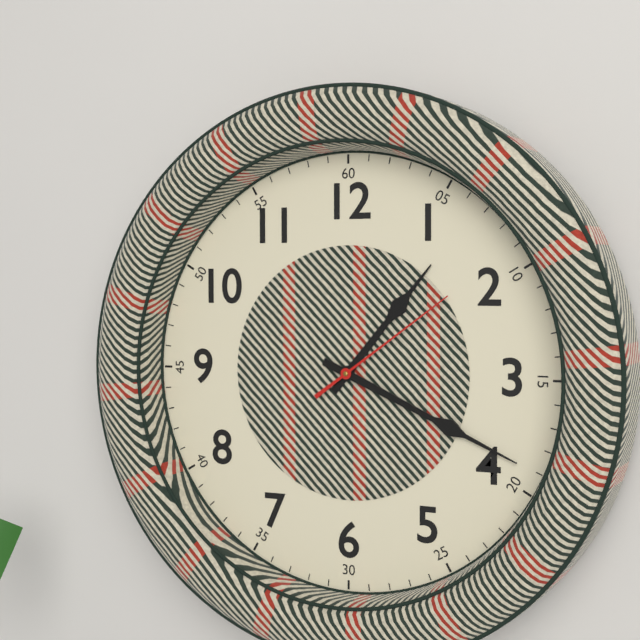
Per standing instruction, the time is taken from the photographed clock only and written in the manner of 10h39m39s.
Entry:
1h19m09s
